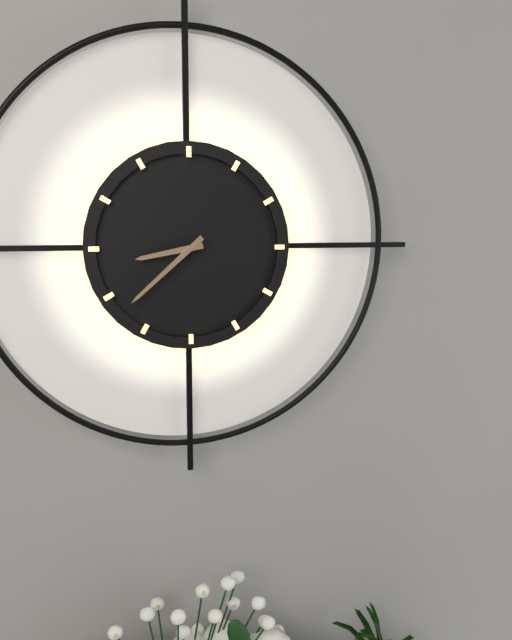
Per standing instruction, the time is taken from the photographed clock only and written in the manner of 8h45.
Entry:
8h38
